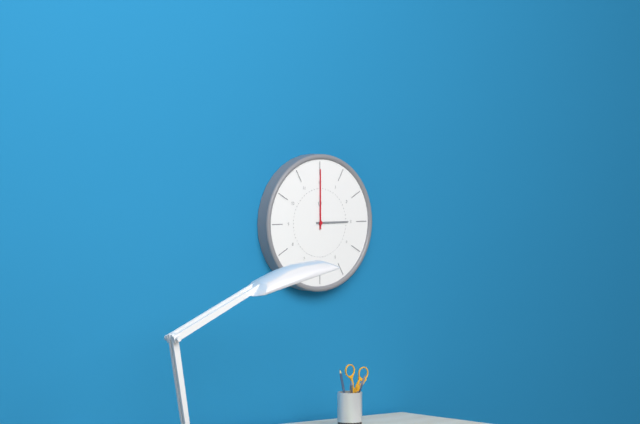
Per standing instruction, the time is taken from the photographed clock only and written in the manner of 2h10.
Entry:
3h00
